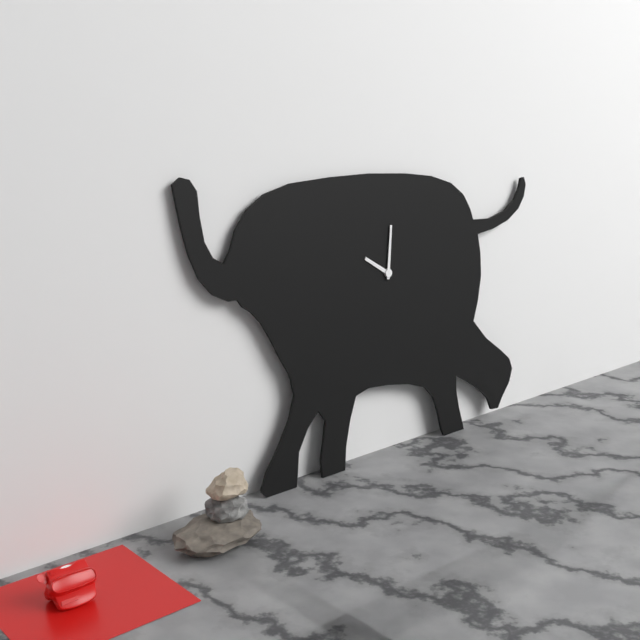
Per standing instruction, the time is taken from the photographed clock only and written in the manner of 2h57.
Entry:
10h01
